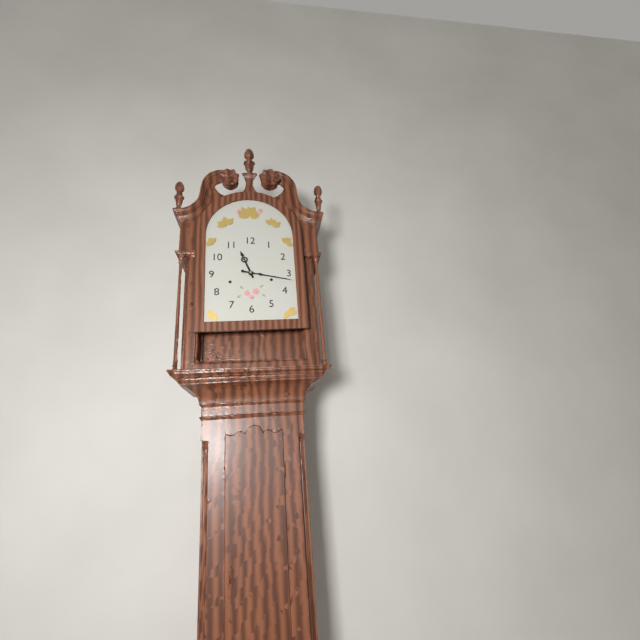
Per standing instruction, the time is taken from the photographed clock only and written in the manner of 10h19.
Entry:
11h17
